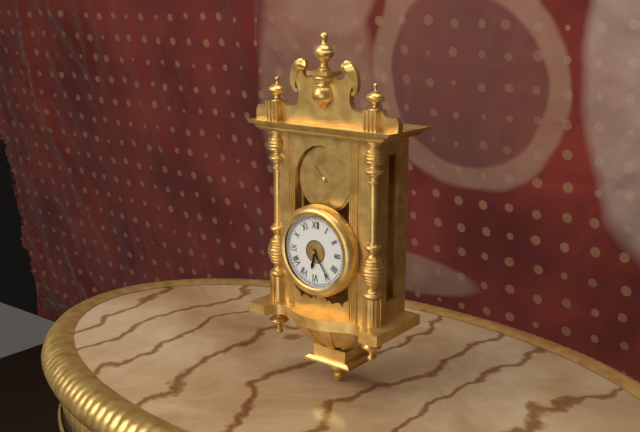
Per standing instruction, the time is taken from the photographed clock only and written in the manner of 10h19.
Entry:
6h24
